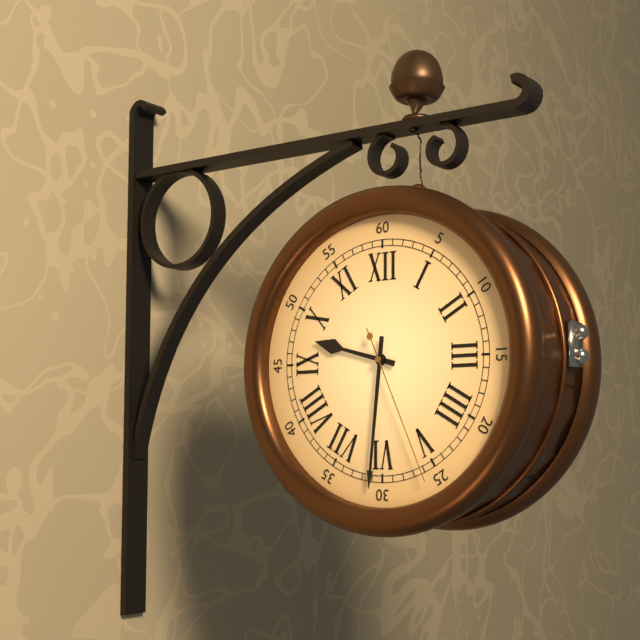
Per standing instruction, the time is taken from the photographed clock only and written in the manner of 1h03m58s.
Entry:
9h31m26s
